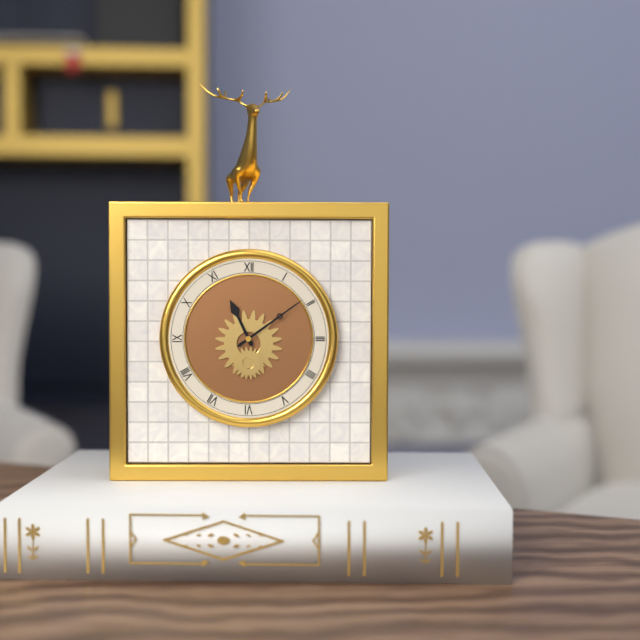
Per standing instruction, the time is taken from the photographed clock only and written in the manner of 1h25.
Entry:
11h09
